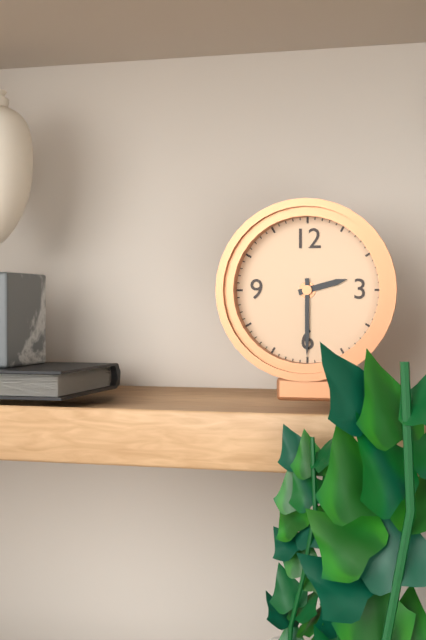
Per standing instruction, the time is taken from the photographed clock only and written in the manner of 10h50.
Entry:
2h30
